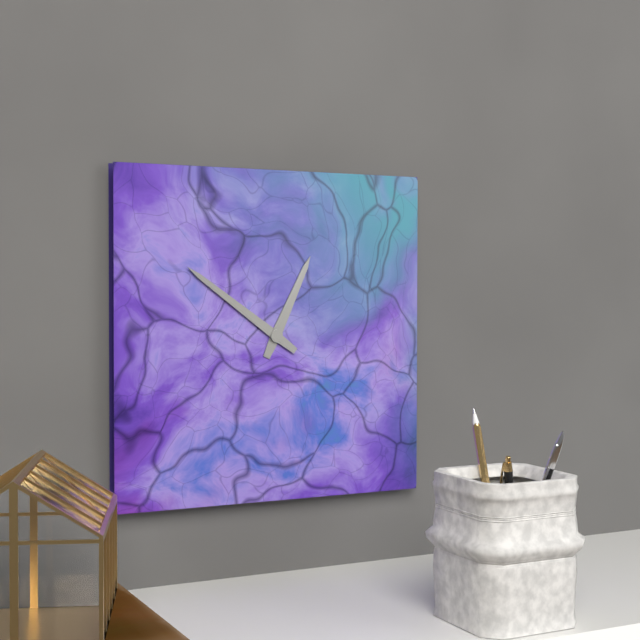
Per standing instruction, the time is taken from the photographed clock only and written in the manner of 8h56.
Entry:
12h51
